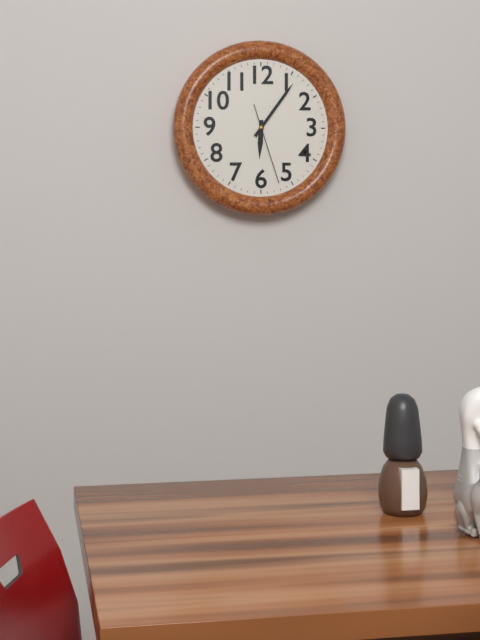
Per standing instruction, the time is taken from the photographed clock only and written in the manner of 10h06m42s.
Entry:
6h06m27s
